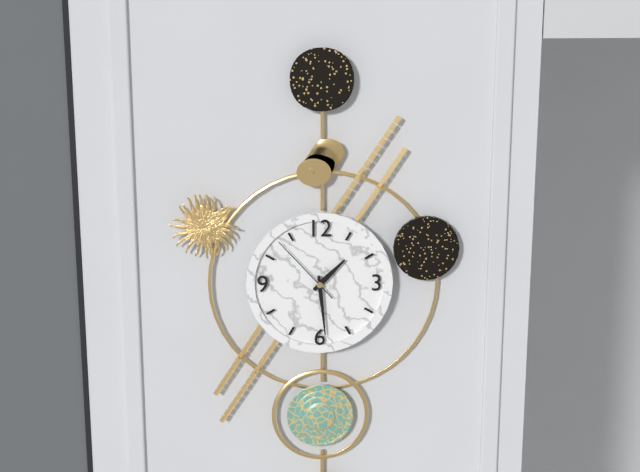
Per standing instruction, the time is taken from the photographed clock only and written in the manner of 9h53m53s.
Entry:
1h29m53s
